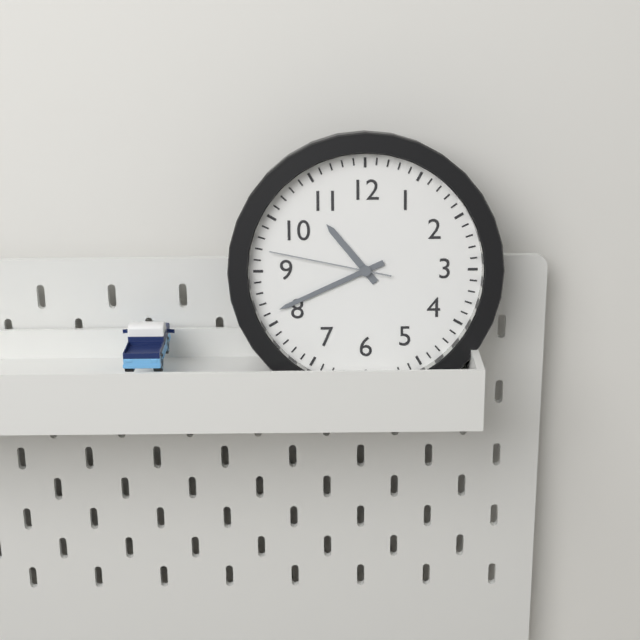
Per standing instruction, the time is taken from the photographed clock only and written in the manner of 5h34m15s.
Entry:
10h41m47s
